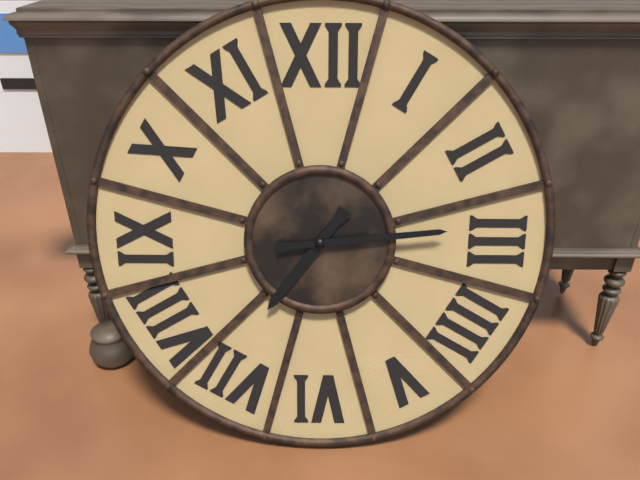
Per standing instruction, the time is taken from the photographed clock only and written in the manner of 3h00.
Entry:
7h14
